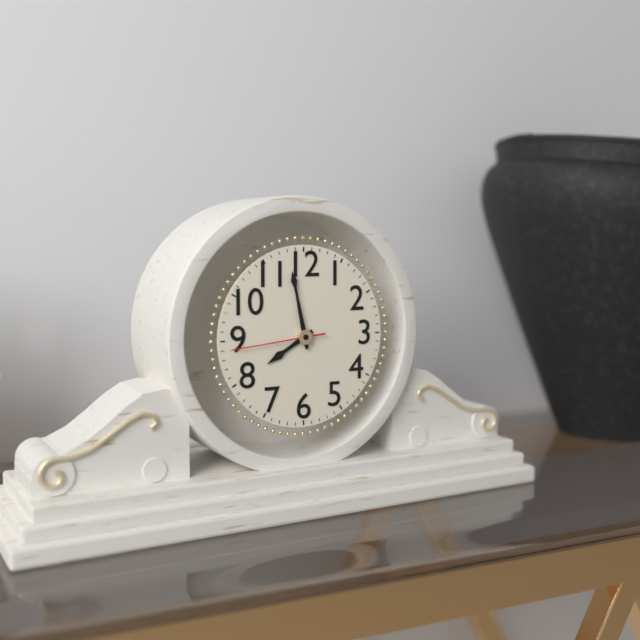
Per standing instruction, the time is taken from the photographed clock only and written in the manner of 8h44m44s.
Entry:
7h58m44s
